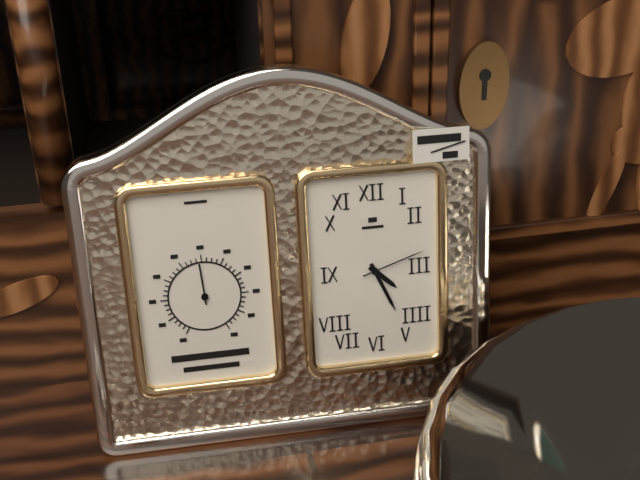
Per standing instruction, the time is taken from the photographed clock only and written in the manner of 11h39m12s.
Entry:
4h26m12s
